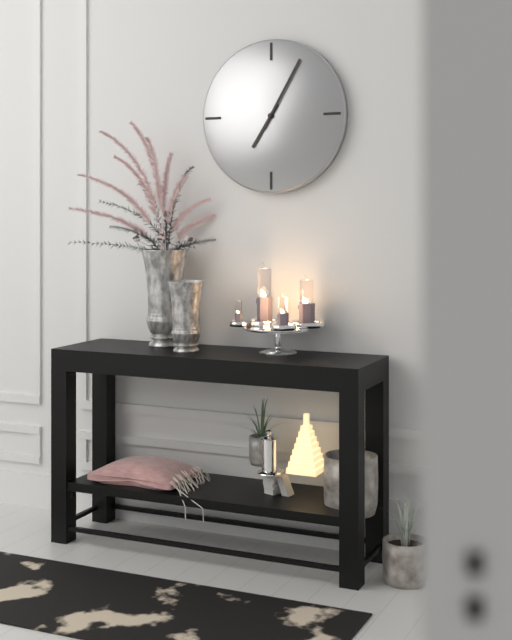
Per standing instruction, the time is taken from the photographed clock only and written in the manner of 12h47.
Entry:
7h05
